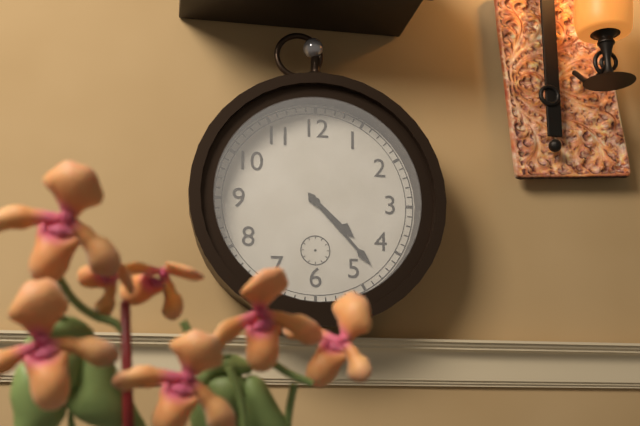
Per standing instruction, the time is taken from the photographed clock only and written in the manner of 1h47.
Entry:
4h23
